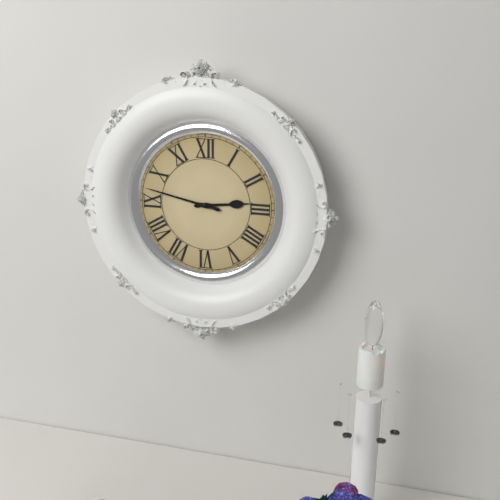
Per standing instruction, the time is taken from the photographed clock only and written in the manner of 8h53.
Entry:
2h47
